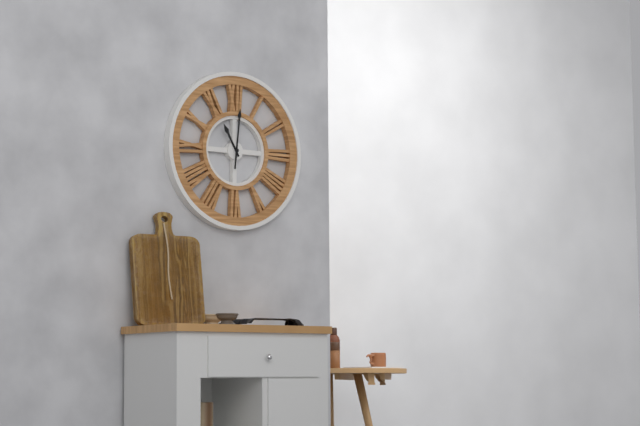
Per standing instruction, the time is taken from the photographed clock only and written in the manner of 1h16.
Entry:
11h01
